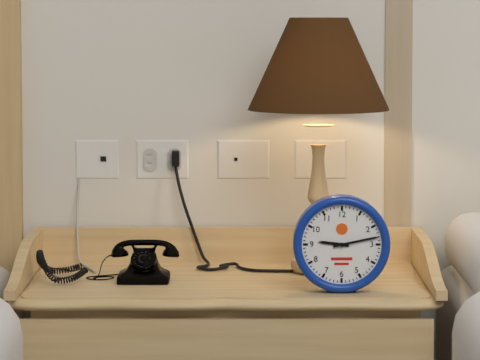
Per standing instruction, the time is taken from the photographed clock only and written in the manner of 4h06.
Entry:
9h13
